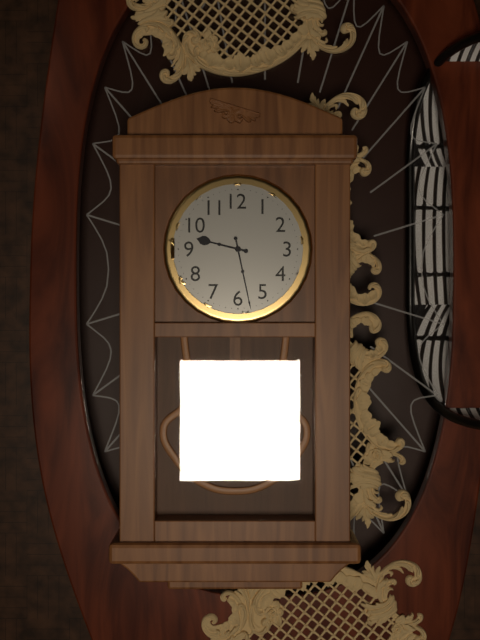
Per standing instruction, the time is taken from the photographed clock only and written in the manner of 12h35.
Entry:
9h28
